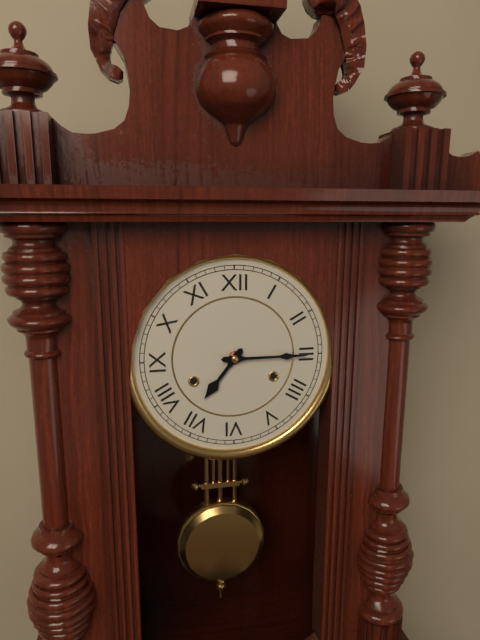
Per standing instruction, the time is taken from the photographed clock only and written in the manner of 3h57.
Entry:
7h15
